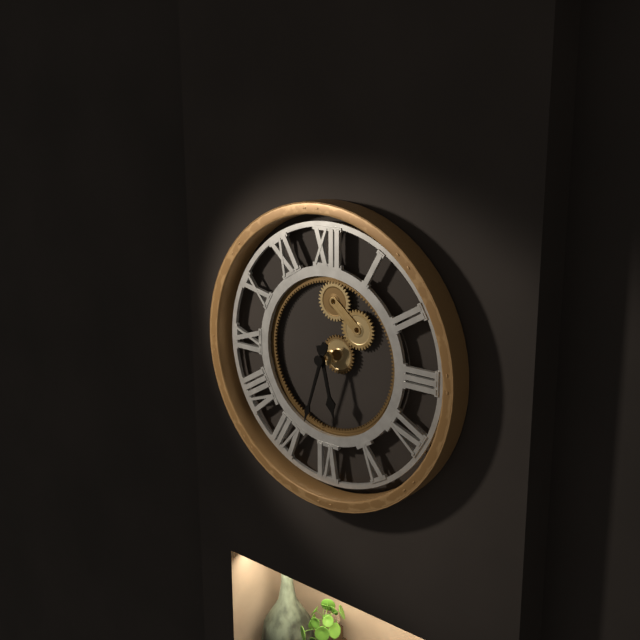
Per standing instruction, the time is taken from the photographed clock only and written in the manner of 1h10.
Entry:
5h33
